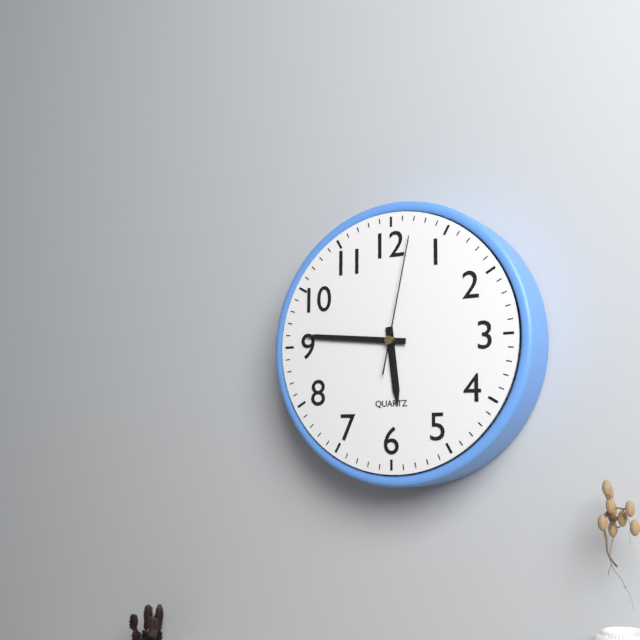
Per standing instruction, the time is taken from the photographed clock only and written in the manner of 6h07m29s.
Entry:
5h46m02s
